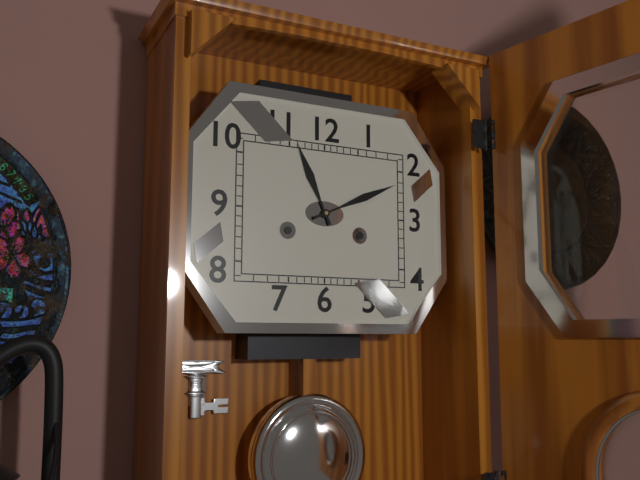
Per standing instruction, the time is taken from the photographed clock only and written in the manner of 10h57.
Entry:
11h11
